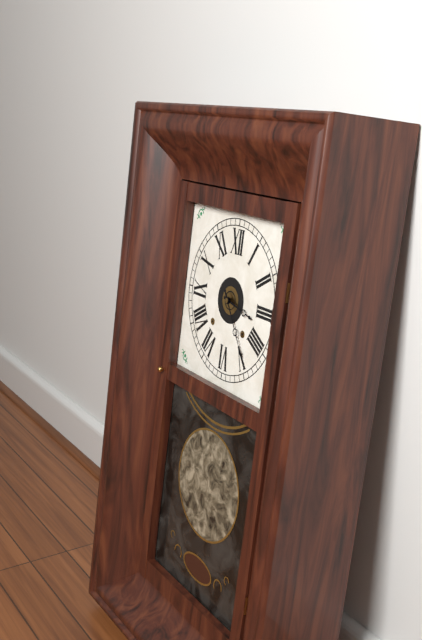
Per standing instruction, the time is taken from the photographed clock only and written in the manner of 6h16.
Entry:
3h24
